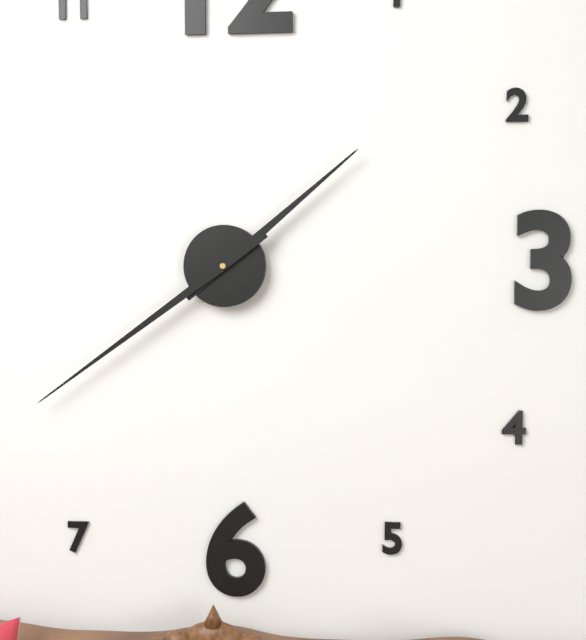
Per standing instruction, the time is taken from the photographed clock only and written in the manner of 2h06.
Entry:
1h39
